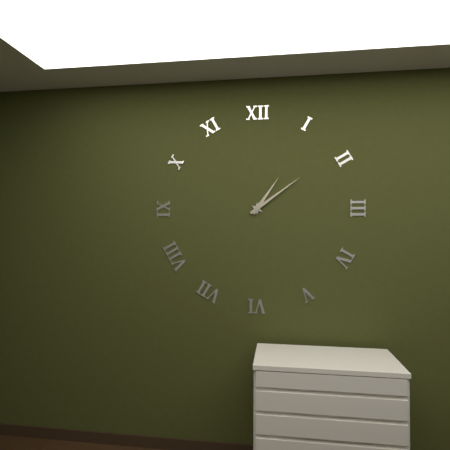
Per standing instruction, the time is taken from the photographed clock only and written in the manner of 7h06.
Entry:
1h09
